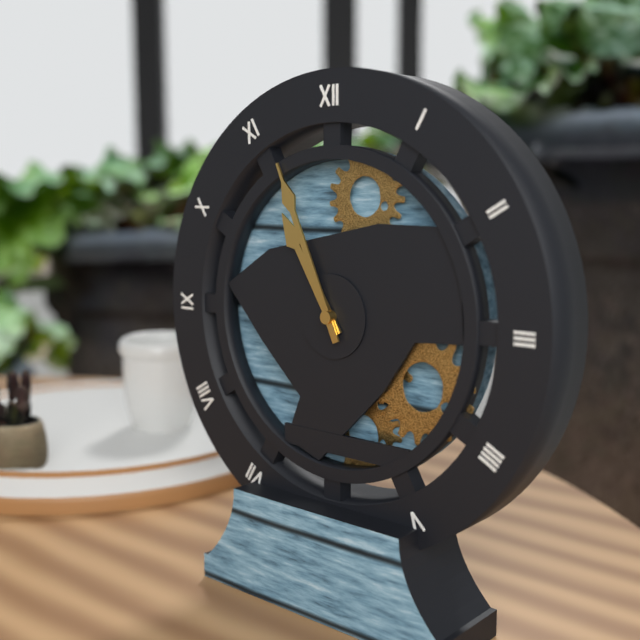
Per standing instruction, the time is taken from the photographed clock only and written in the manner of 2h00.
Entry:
10h56
